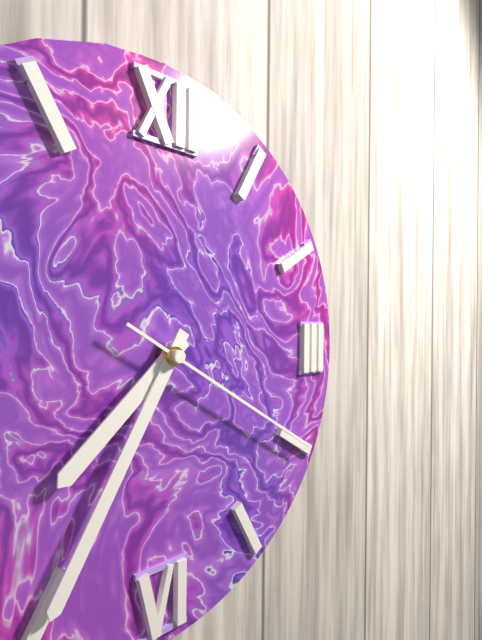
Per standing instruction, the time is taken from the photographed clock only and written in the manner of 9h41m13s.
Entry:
7h35m20s
